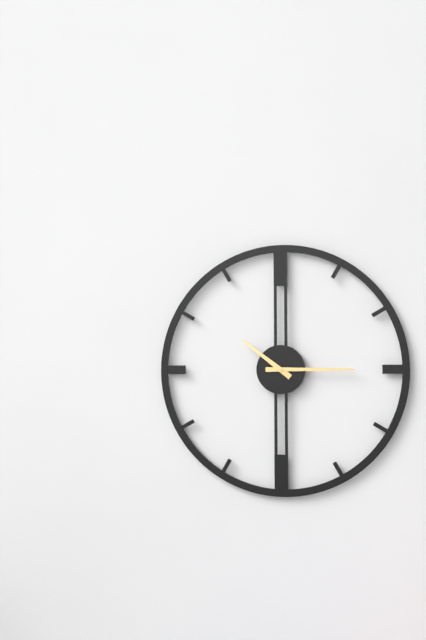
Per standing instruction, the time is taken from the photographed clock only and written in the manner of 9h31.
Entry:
10h15
